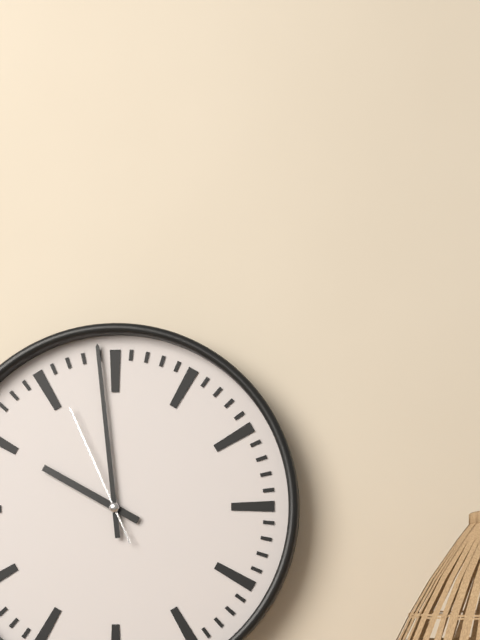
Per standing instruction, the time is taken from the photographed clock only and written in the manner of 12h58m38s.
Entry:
9h59m56s
